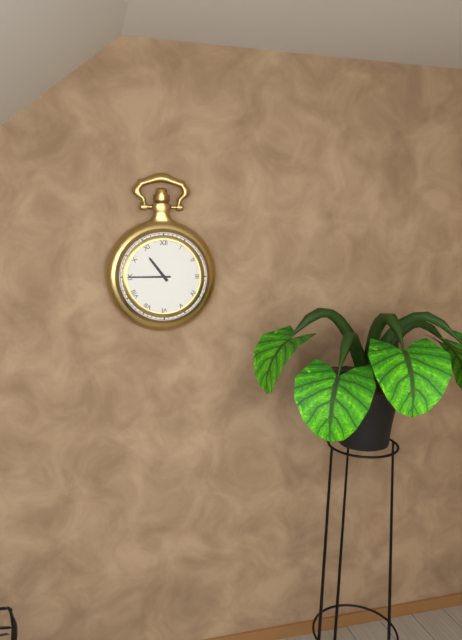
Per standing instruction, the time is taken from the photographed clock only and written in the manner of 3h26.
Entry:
10h45
